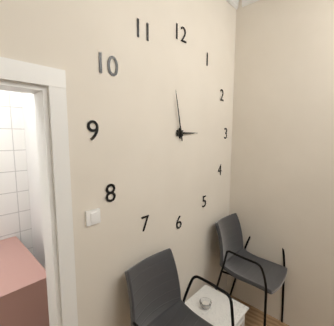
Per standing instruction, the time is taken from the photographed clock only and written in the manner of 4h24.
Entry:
2h58
